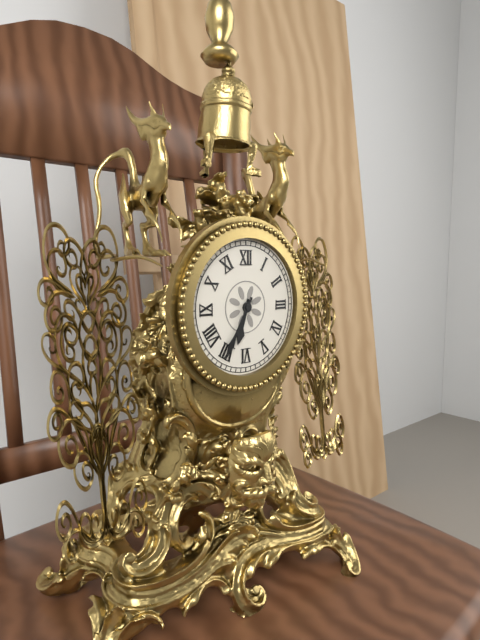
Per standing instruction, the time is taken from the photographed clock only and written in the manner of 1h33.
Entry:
6h35
